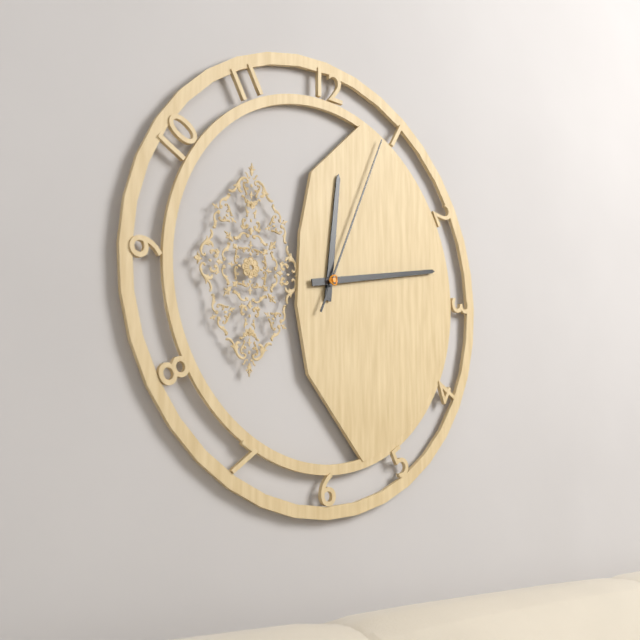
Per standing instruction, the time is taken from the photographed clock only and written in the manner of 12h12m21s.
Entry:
12h13m04s
